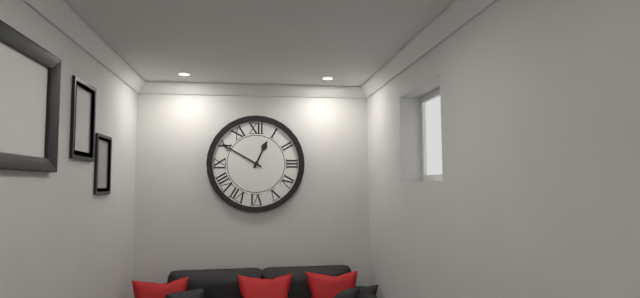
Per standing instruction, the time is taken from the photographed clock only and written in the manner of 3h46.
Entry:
12h50
